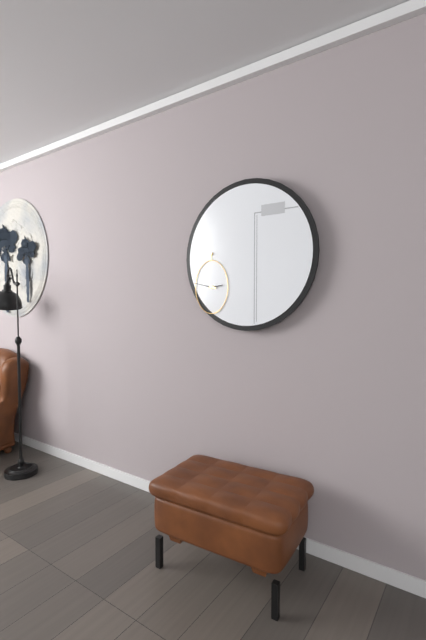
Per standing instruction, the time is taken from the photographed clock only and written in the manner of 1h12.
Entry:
2h47
